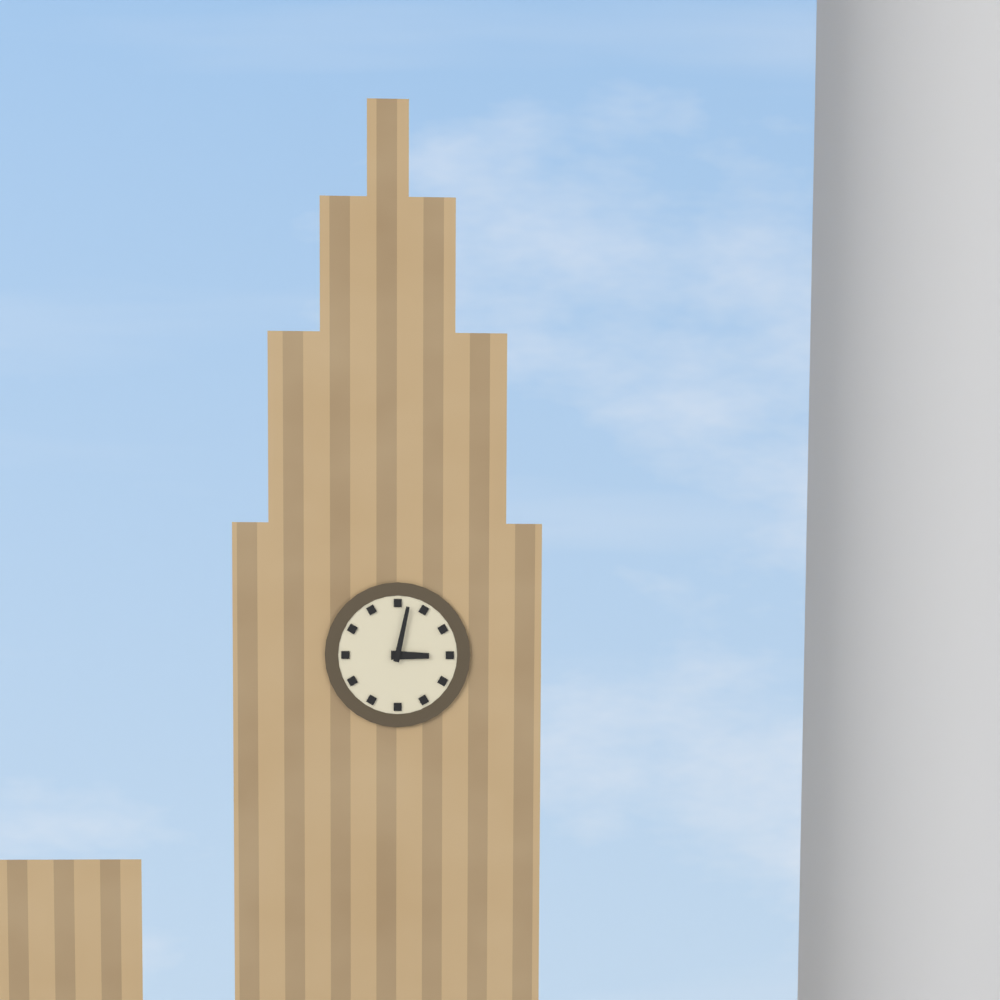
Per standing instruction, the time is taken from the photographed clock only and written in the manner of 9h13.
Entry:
3h02
